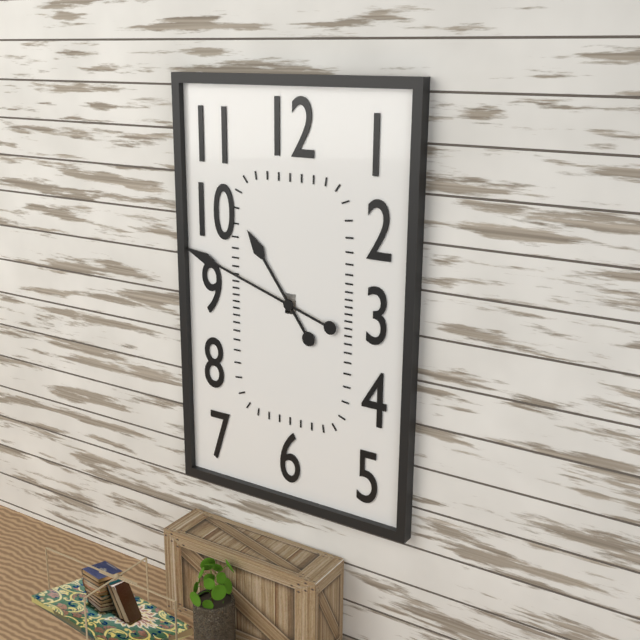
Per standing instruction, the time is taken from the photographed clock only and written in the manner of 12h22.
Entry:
10h48
